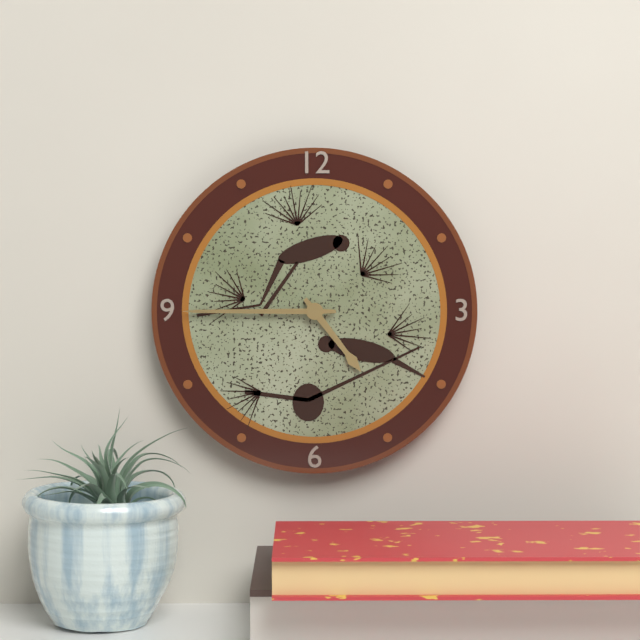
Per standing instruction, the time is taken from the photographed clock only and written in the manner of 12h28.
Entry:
4h45
